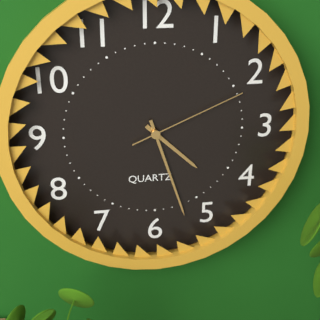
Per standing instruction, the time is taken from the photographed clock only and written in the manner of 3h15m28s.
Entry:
4h27m11s
